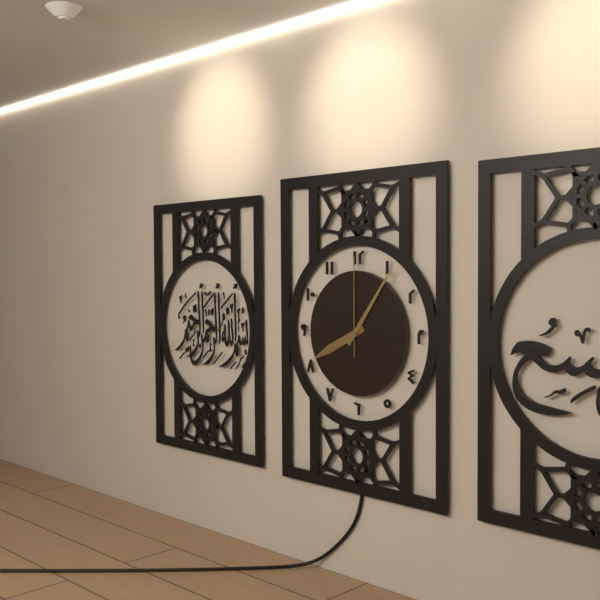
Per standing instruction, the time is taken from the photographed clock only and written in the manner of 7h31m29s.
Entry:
8h06m00s
